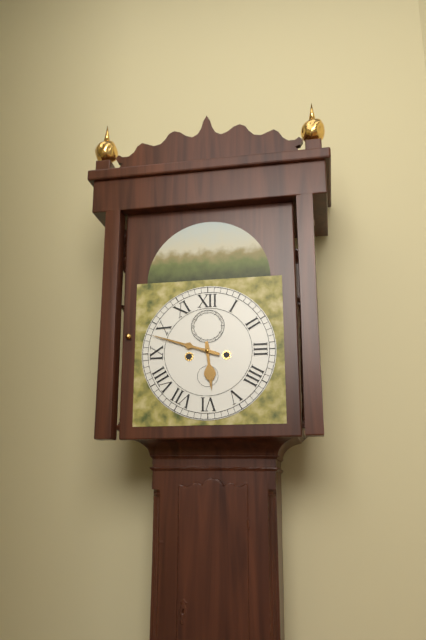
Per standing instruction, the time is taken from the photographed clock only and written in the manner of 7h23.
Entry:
5h48
